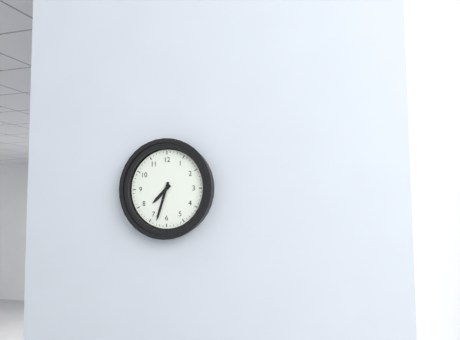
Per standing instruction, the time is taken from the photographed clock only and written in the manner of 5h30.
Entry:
7h33
